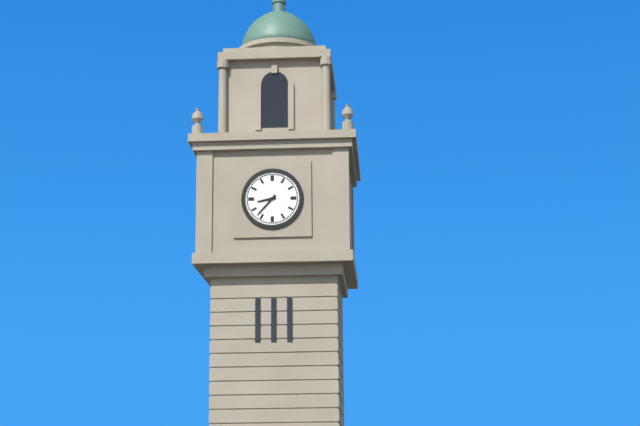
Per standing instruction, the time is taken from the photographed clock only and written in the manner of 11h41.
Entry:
8h37
